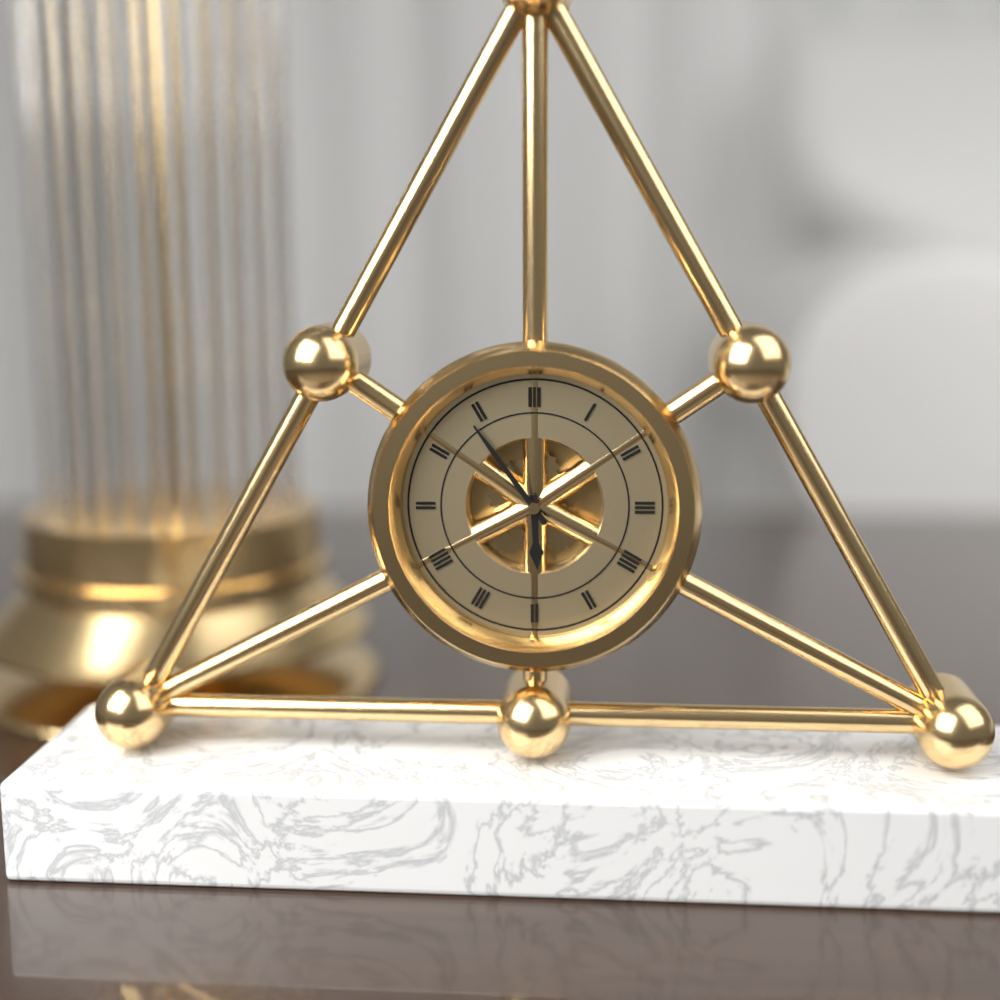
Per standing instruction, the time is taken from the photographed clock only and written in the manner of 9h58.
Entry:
5h54
